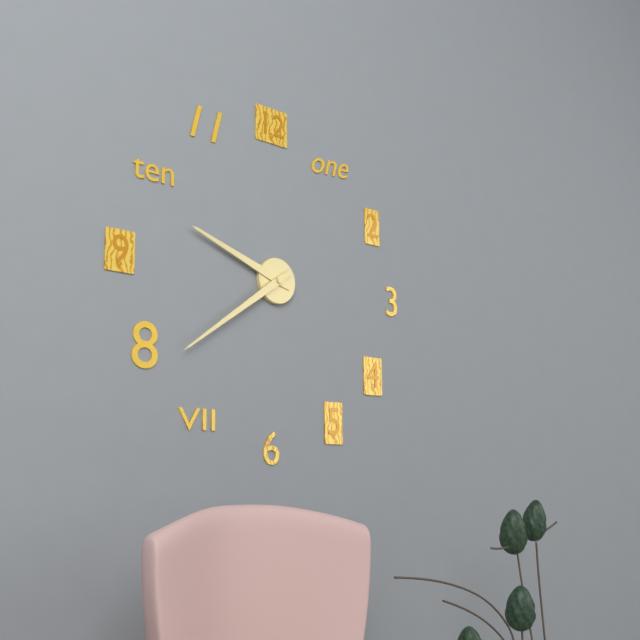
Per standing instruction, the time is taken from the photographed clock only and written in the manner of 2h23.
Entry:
9h39
